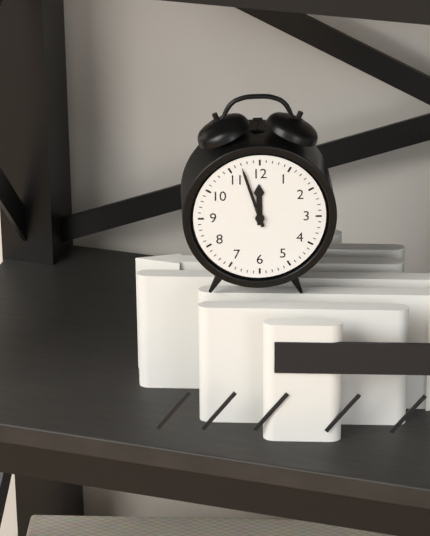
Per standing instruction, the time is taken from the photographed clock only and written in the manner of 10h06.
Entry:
11h57
